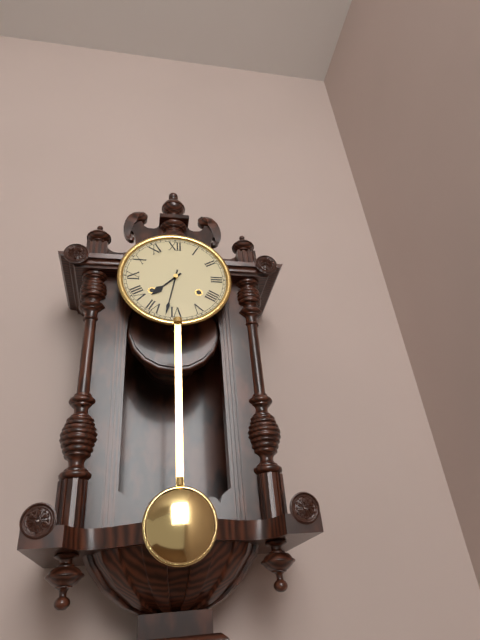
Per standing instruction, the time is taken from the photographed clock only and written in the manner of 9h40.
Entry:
7h32
